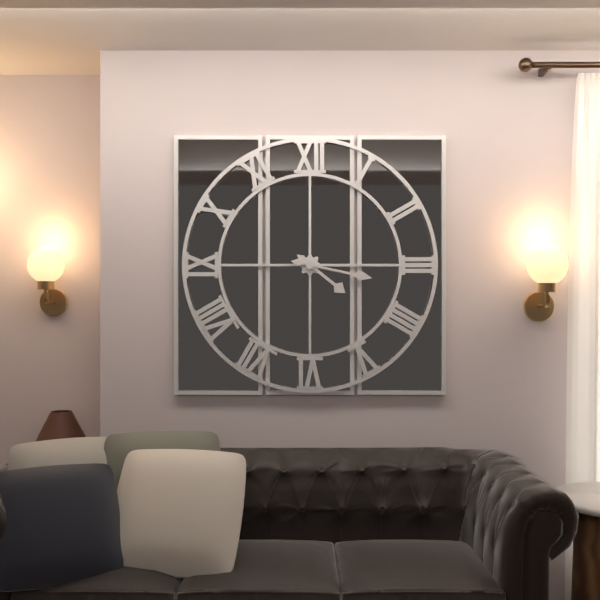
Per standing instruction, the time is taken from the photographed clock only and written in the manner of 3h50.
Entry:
4h17
